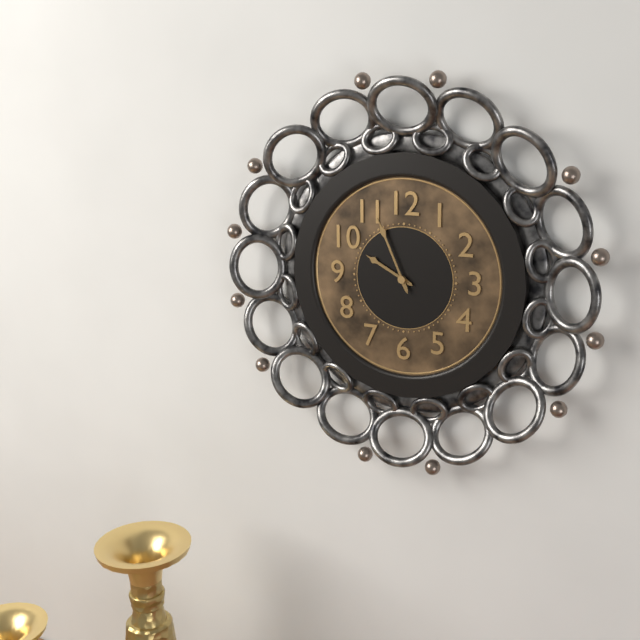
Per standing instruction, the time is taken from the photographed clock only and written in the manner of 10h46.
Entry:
9h56
